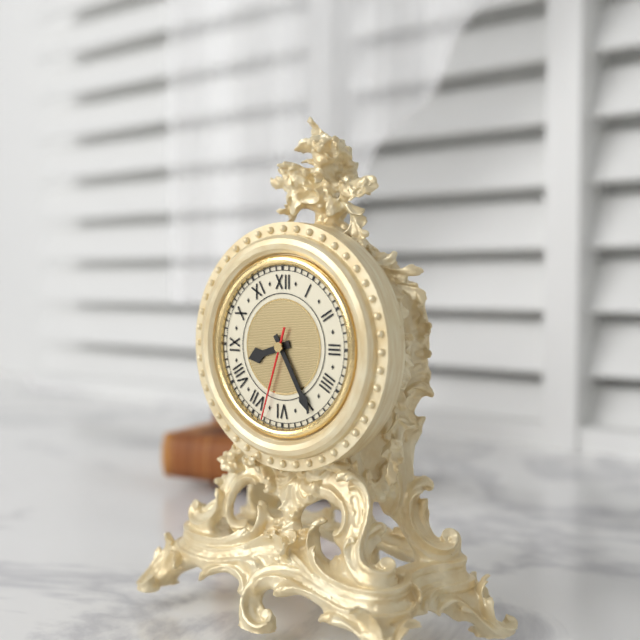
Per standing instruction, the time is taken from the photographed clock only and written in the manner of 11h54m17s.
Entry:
8h25m33s
